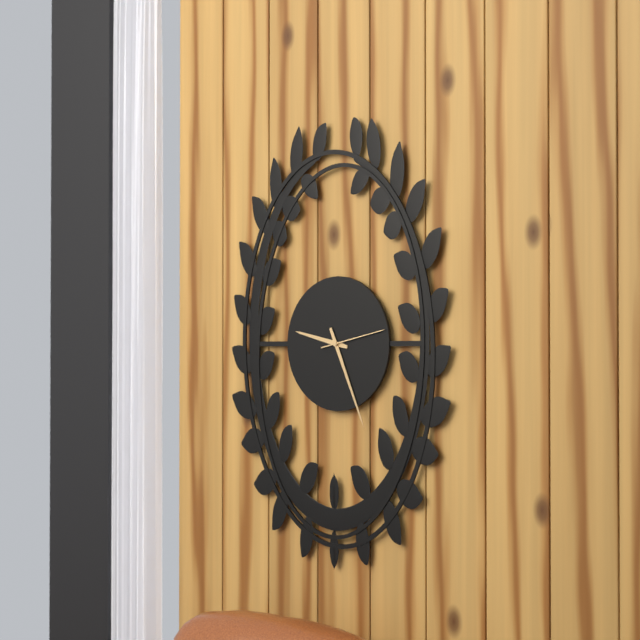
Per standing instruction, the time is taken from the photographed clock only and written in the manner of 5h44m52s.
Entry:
9h26m13s
